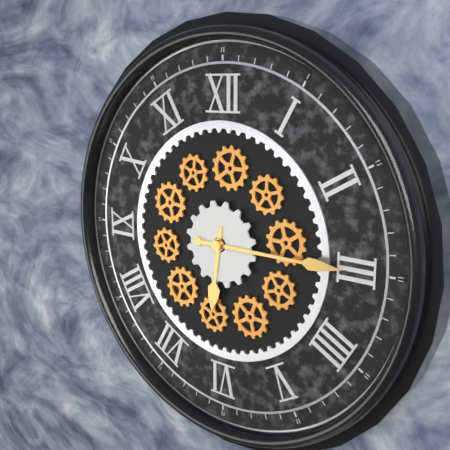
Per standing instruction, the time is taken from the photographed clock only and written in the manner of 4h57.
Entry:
6h15
